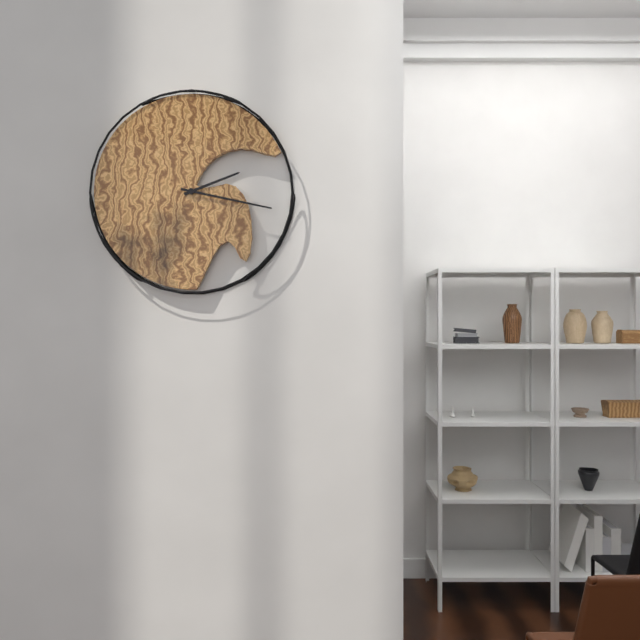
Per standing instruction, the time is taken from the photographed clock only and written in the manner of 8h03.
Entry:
2h17
